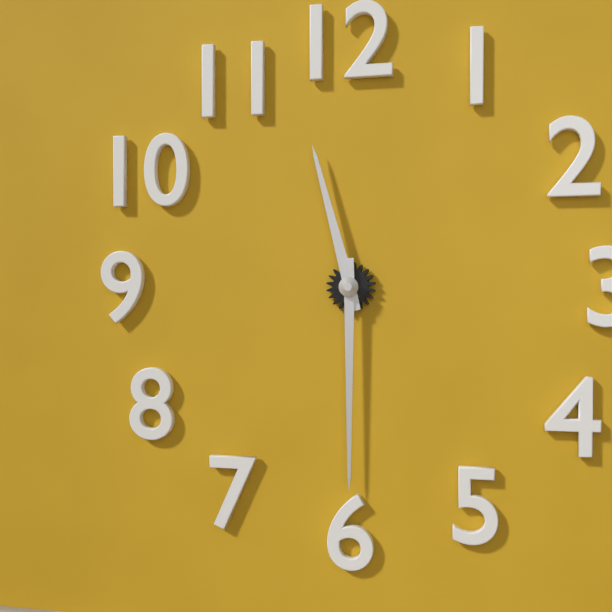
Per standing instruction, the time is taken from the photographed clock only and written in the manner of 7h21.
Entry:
11h30
